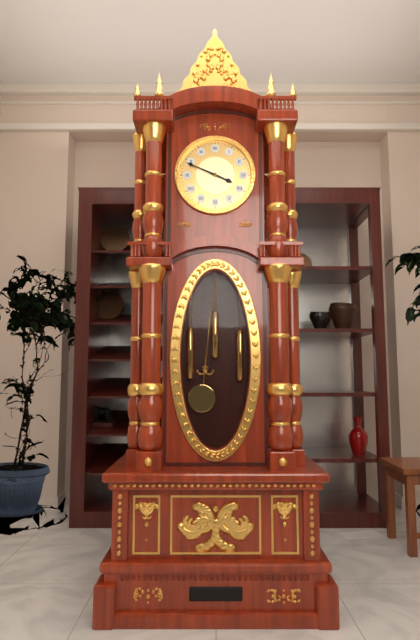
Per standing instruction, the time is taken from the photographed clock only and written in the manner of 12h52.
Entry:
3h49
